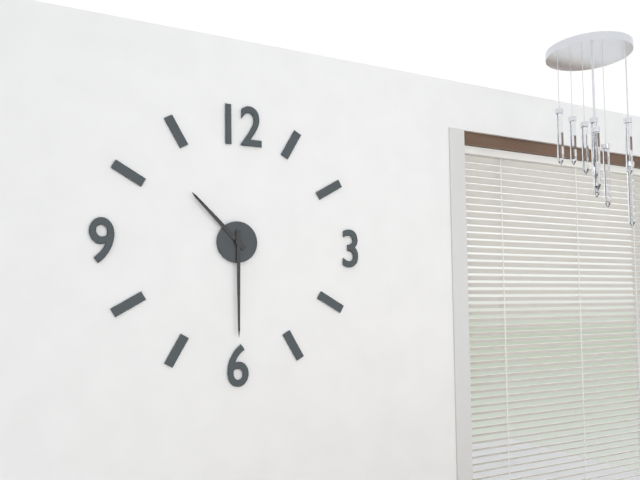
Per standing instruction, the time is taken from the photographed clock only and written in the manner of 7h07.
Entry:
10h30
